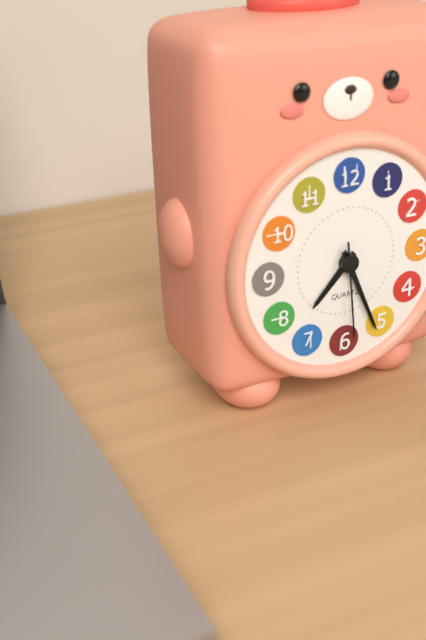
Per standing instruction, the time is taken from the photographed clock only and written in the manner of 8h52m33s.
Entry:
7h26m29s
